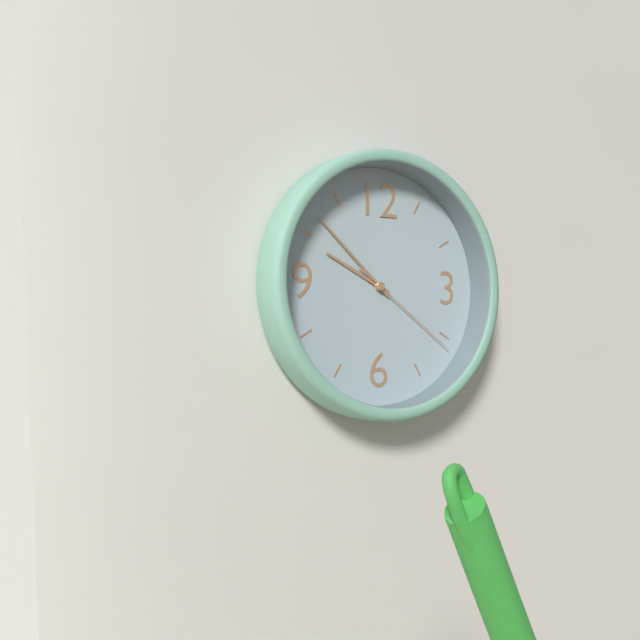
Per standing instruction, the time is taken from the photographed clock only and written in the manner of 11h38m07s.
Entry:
9h52m21s
